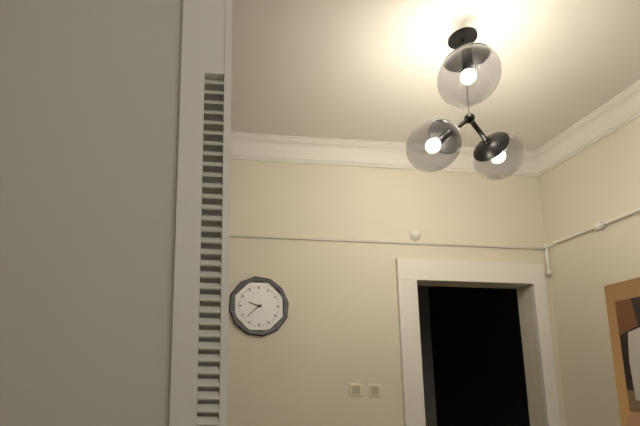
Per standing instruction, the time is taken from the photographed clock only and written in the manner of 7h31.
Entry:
9h38
